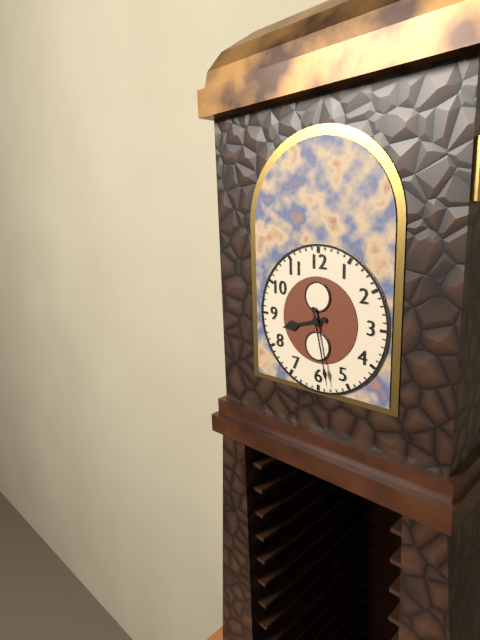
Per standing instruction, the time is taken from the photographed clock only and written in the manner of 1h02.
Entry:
8h28
